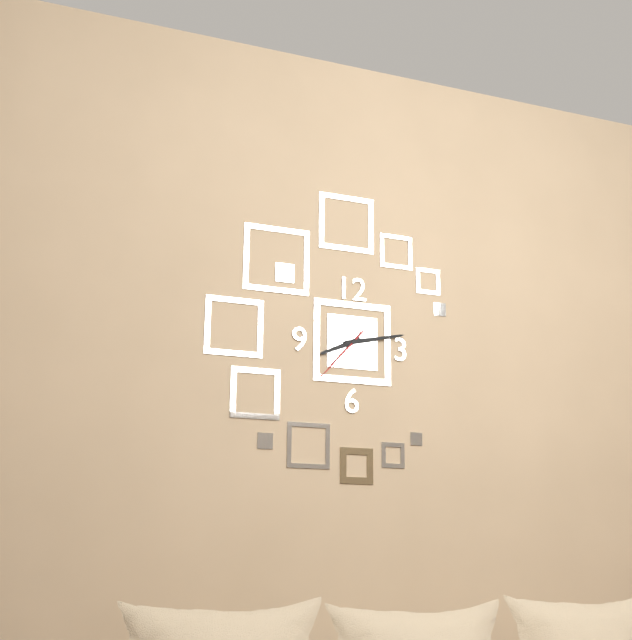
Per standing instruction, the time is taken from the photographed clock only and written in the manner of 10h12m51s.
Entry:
8h13m37s
